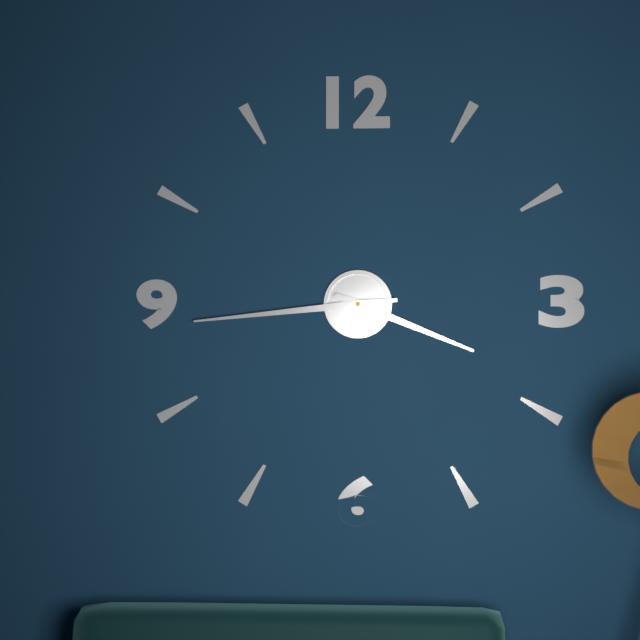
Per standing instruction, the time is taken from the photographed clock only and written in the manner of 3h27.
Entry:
3h44
